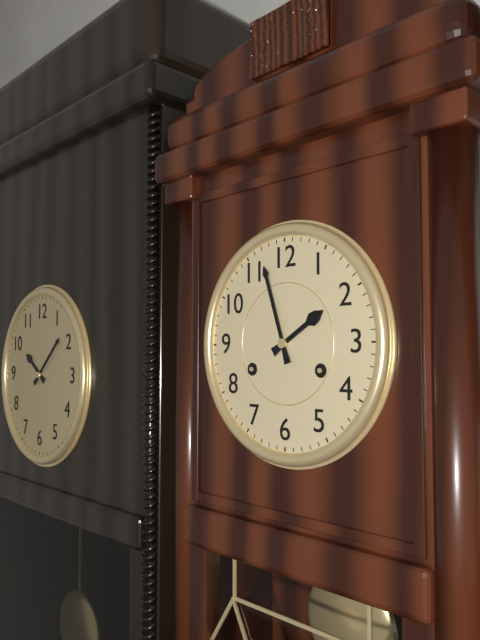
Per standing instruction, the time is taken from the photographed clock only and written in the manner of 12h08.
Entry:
1h57
